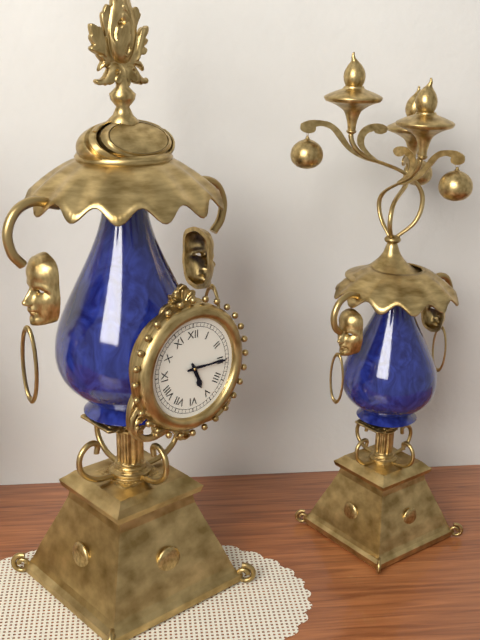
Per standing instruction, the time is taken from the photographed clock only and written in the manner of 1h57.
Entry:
5h15
